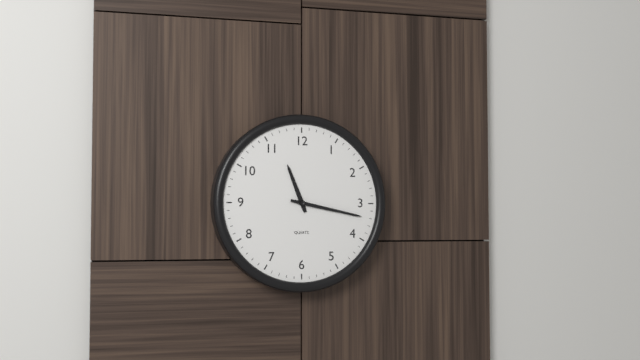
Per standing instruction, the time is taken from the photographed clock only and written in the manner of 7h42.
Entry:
11h17
